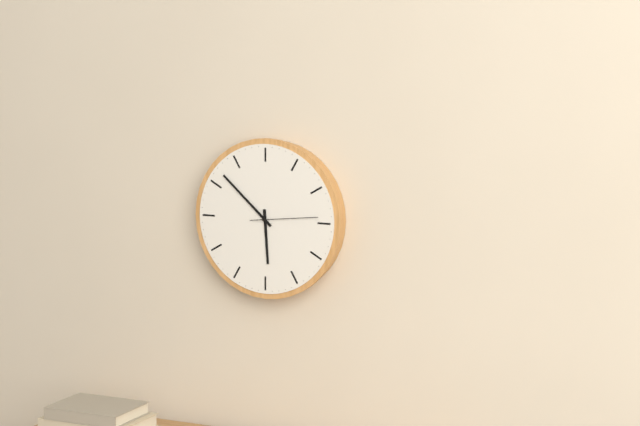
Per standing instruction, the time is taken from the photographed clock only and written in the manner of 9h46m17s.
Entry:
5h52m14s
